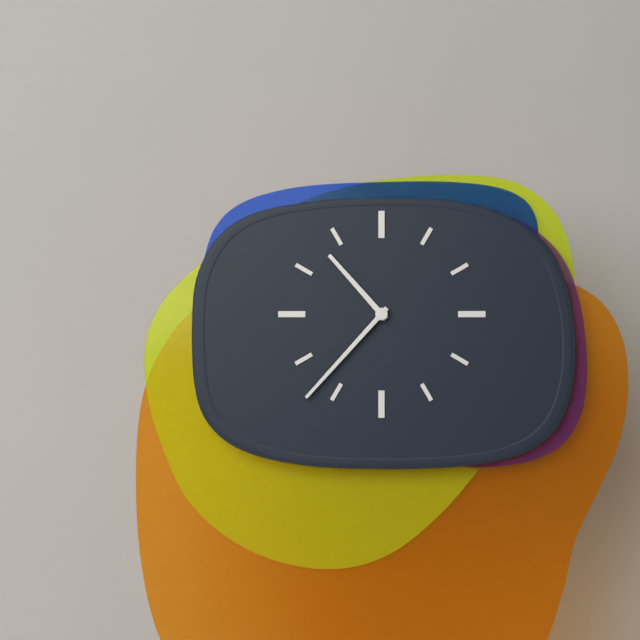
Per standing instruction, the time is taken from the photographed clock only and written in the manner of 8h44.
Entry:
10h37
